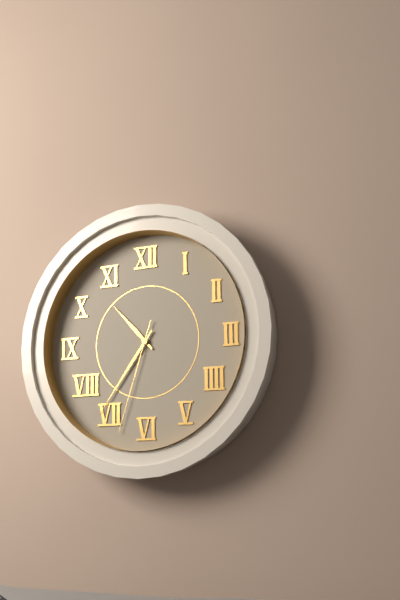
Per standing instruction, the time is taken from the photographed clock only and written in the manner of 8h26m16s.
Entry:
10h36m33s
